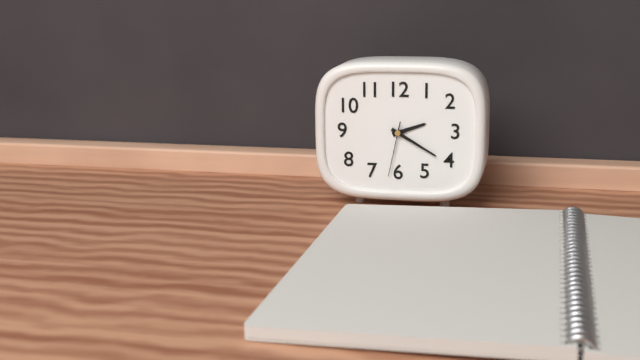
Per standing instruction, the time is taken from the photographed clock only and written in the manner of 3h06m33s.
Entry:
2h20m32s
